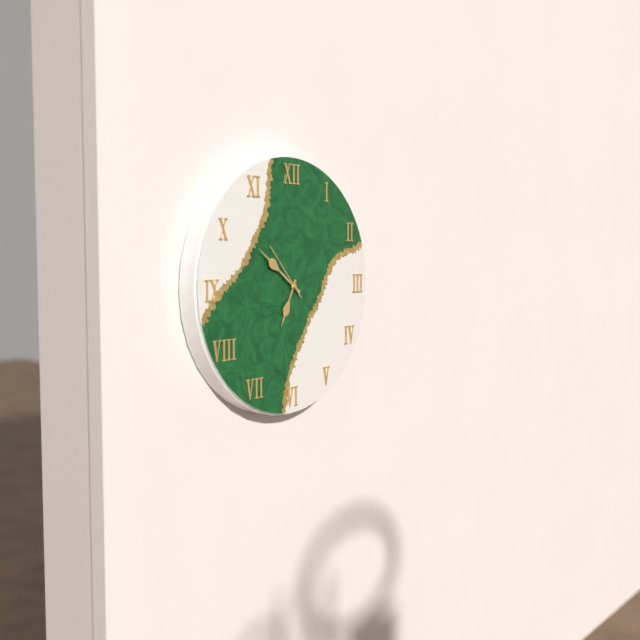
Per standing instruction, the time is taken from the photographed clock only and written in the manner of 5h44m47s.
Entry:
6h51m53s
